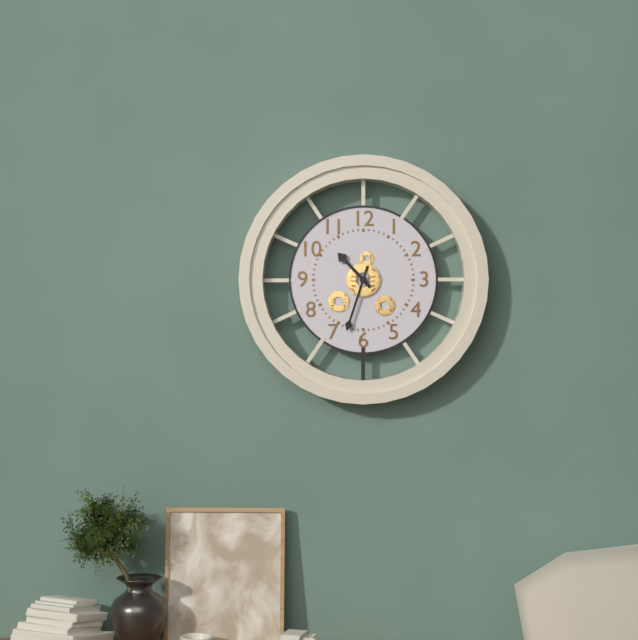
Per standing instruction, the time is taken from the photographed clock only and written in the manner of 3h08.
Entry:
10h33
